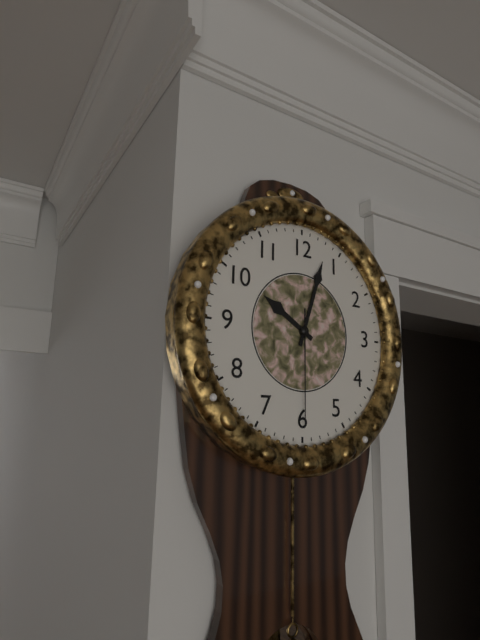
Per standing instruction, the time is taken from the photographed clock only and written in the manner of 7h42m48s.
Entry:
10h03m30s
